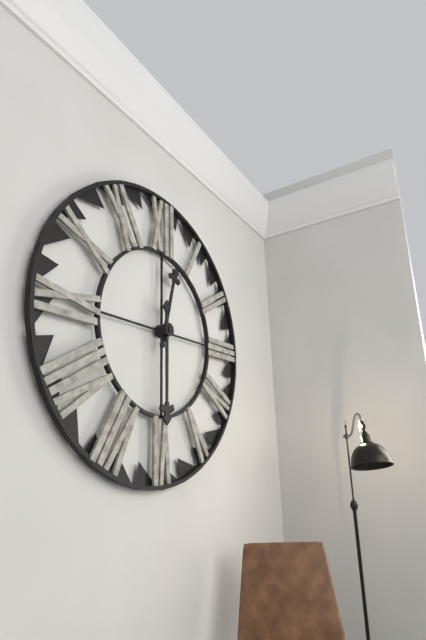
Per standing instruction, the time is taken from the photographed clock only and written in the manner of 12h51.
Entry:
12h30
